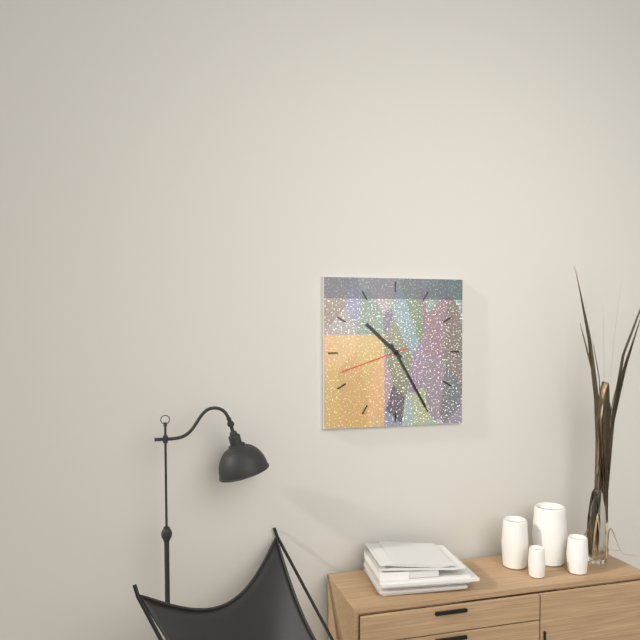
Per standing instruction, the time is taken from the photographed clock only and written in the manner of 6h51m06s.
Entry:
10h25m42s
